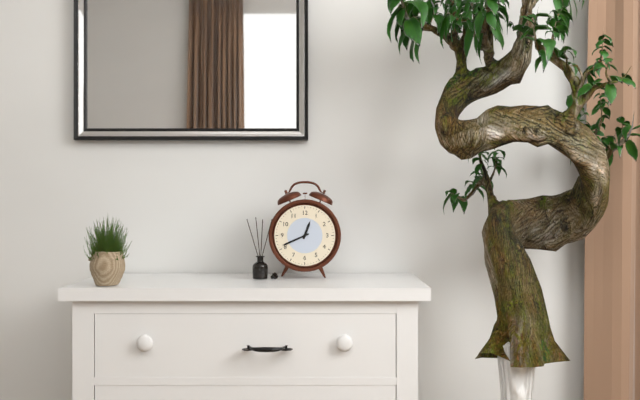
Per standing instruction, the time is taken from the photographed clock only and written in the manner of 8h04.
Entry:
12h41
